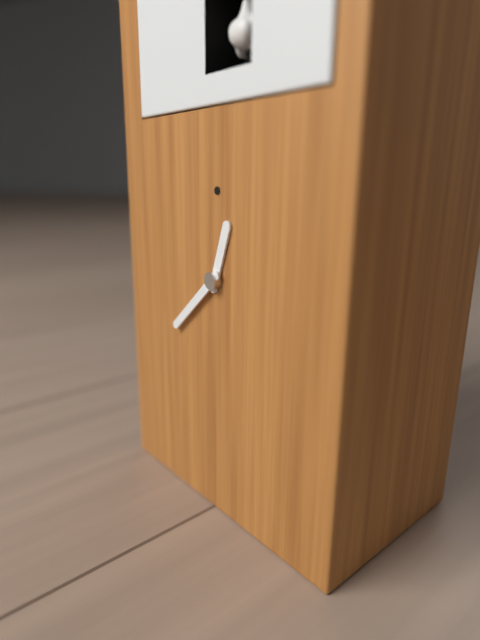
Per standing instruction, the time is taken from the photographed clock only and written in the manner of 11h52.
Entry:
12h38
